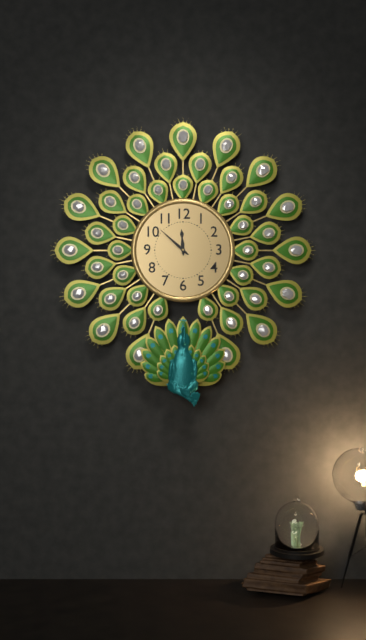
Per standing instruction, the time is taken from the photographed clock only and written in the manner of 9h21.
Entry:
11h52
